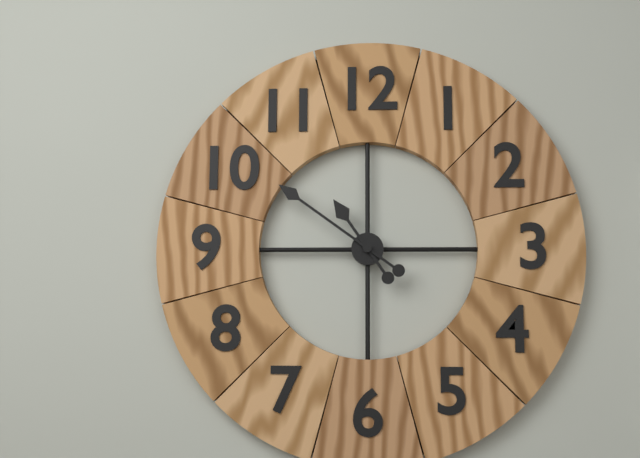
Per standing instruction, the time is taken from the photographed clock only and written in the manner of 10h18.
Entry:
10h51
